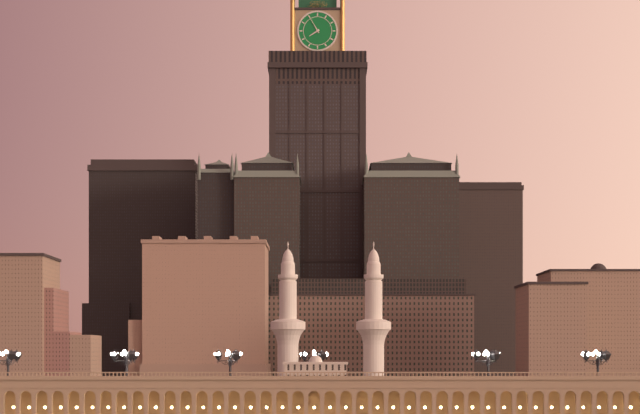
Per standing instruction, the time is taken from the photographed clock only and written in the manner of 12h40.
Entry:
7h55
